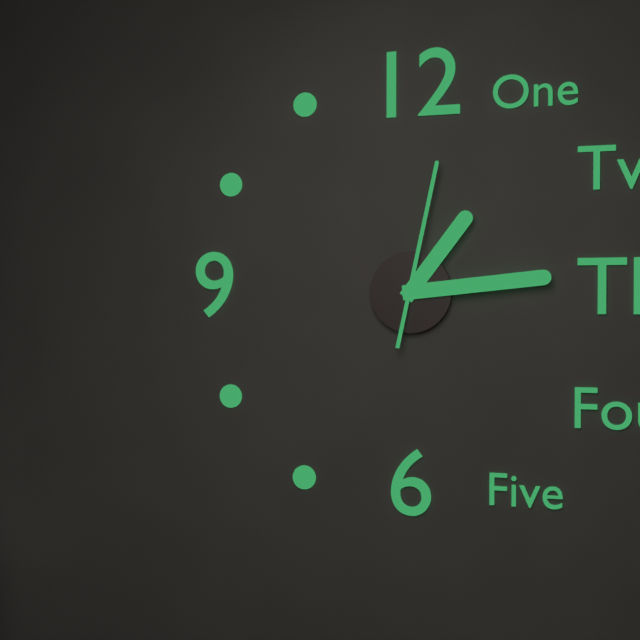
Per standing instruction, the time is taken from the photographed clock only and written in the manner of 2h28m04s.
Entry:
1h14m02s
